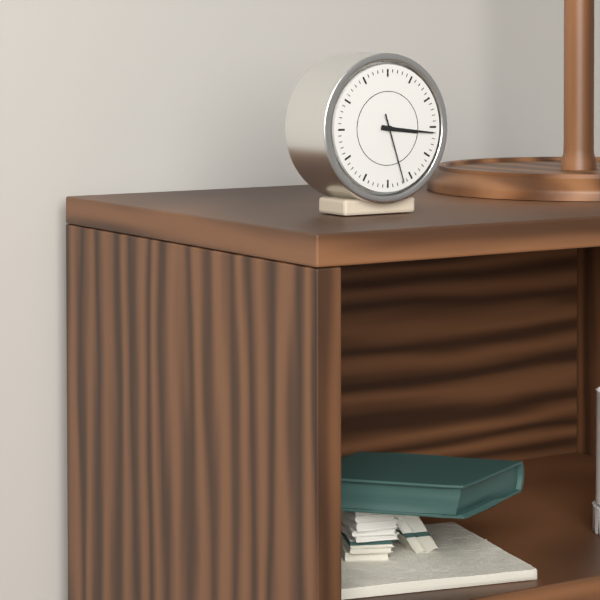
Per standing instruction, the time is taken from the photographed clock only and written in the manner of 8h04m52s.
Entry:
3h16m27s
